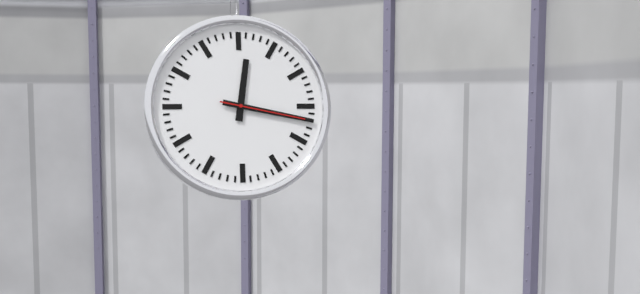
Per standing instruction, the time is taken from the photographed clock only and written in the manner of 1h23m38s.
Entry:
12h17m17s
